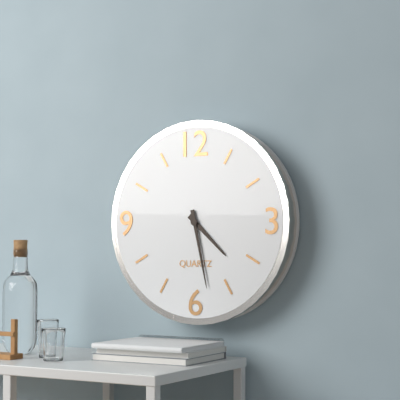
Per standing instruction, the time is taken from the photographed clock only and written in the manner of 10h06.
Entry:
4h28
